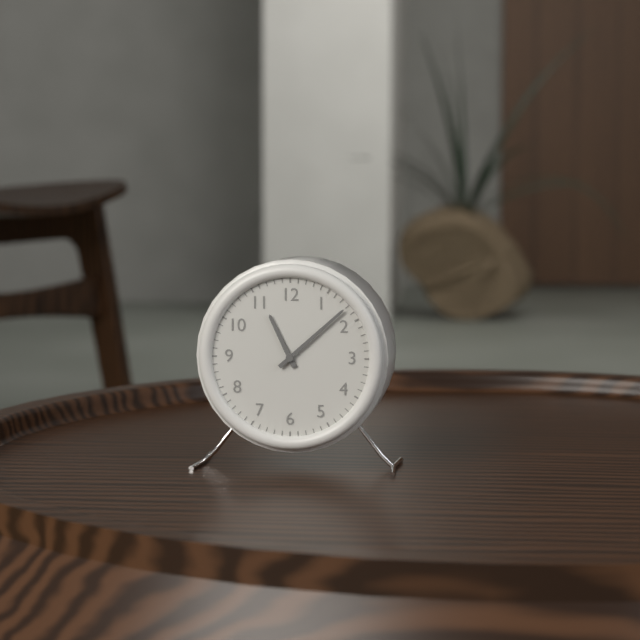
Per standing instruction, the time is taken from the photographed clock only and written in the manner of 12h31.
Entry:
11h08
